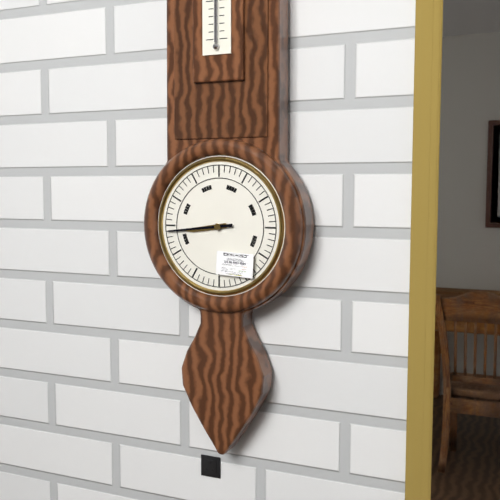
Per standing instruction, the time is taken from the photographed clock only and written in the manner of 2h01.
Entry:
8h44
